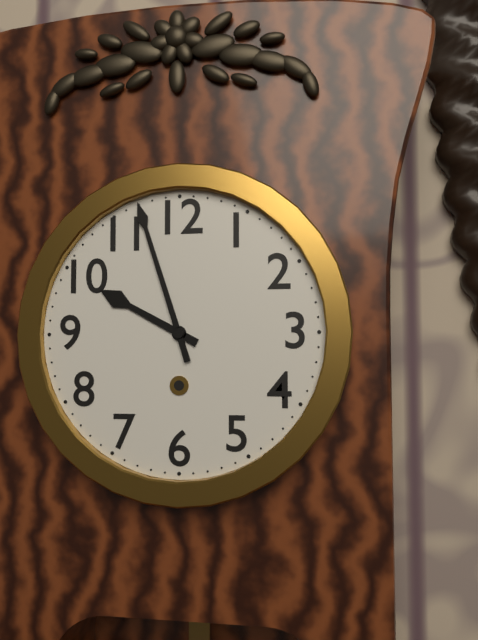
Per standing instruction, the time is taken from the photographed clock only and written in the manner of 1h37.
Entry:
9h57
